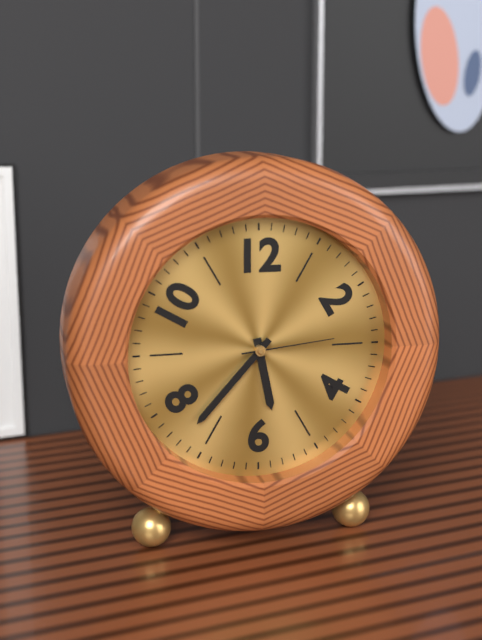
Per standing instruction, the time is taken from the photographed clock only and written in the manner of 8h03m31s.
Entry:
5h37m14s
